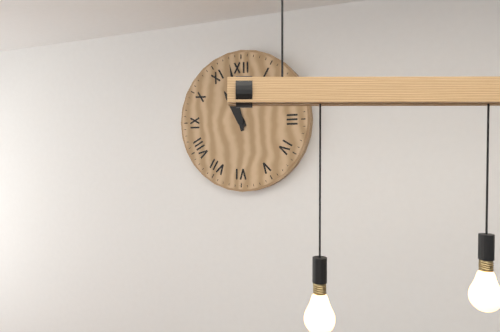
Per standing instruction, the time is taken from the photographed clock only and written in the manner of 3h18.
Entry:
10h58
